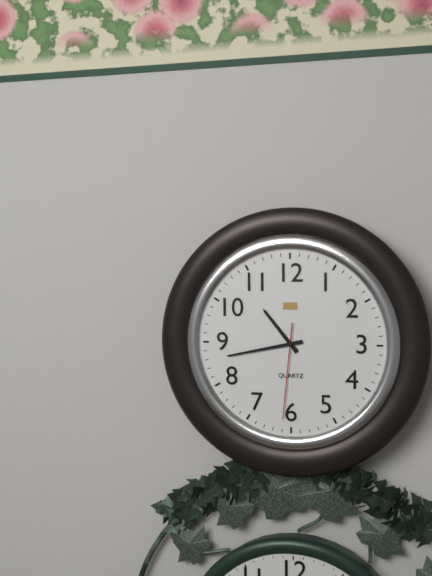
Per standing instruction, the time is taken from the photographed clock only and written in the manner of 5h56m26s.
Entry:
10h43m31s
